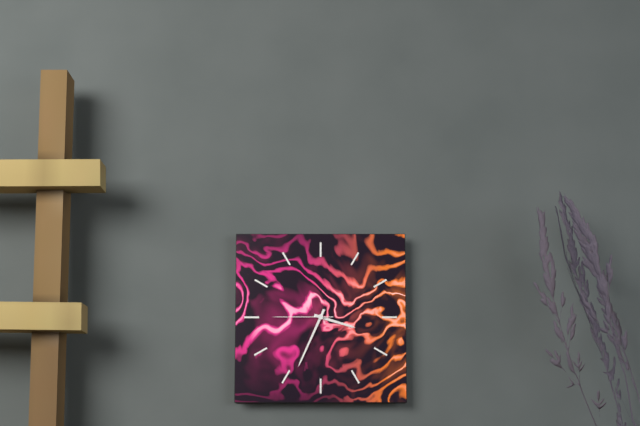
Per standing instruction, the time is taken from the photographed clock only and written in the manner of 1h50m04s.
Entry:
3h34m45s
